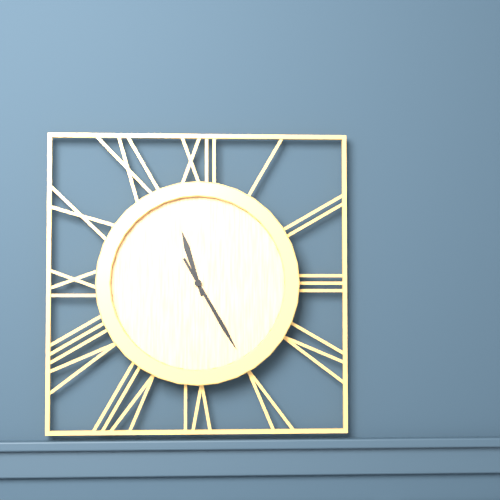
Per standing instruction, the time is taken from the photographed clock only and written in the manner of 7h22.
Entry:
11h25
